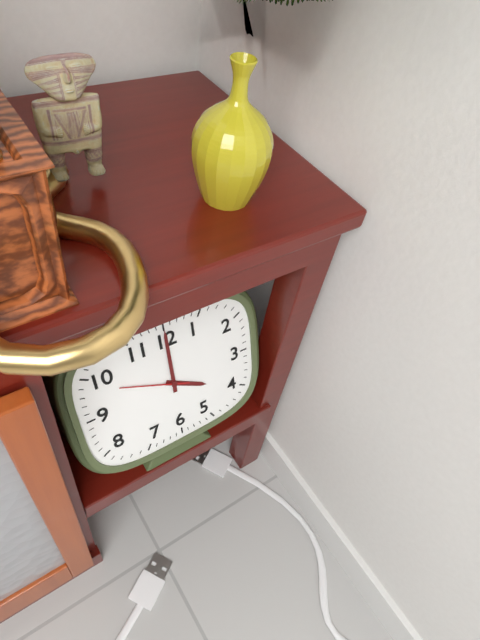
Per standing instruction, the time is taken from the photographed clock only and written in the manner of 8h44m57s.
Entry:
4h00m49s
